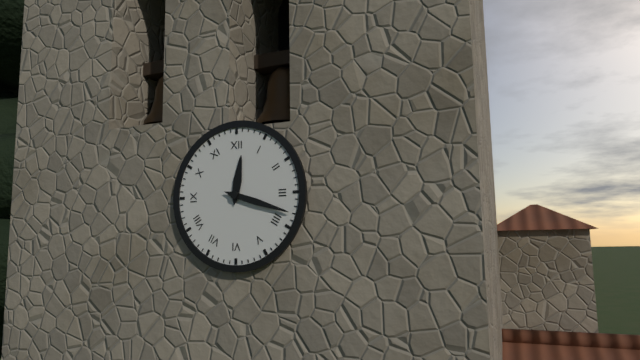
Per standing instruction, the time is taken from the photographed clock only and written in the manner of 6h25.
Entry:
12h18
